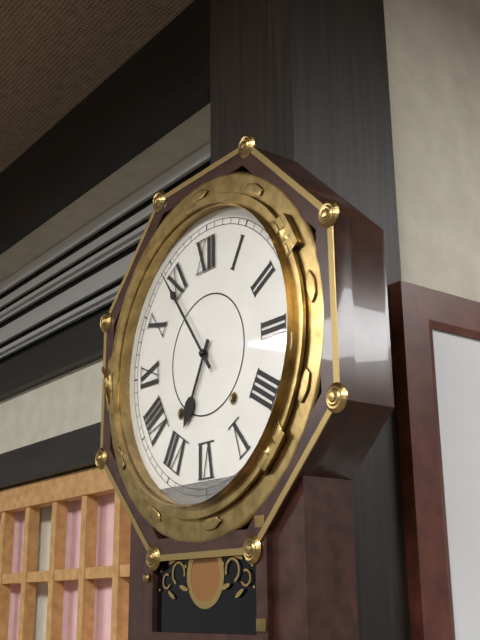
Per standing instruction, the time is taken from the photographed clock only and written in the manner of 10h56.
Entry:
6h54
